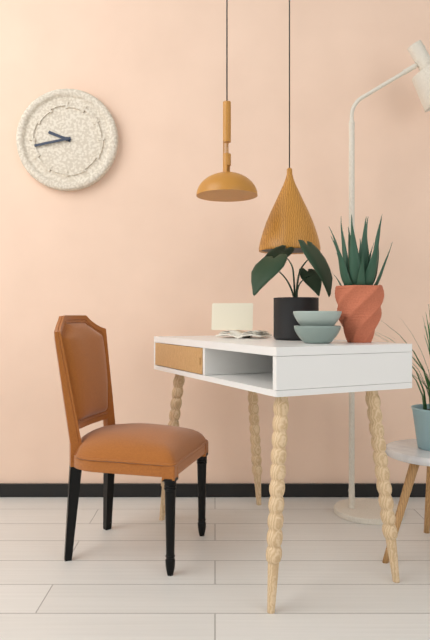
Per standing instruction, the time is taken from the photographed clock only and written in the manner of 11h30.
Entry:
9h43
